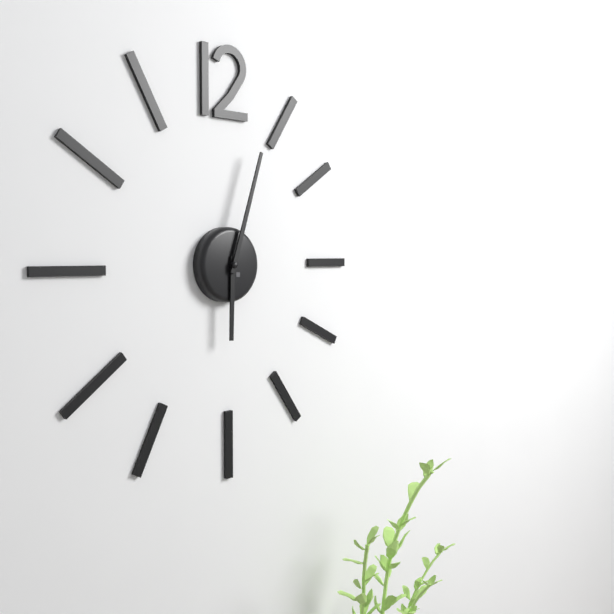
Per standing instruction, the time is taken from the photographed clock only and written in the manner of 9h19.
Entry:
6h03
